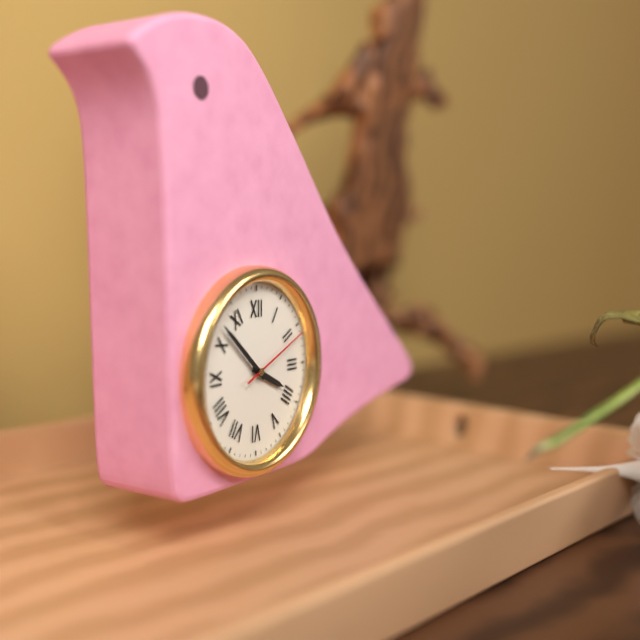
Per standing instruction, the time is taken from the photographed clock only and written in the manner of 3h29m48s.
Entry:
3h52m11s
